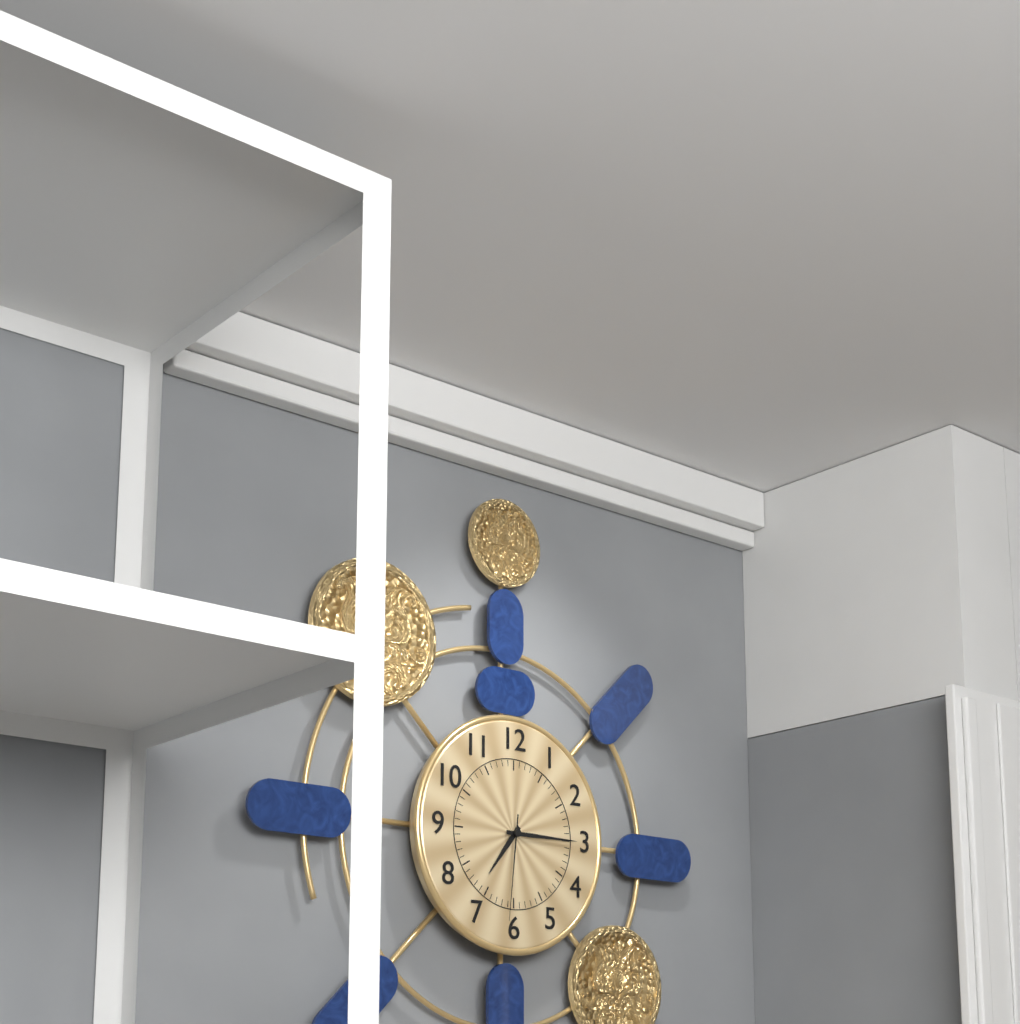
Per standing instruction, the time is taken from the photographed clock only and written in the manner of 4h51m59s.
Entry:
7h15m31s
